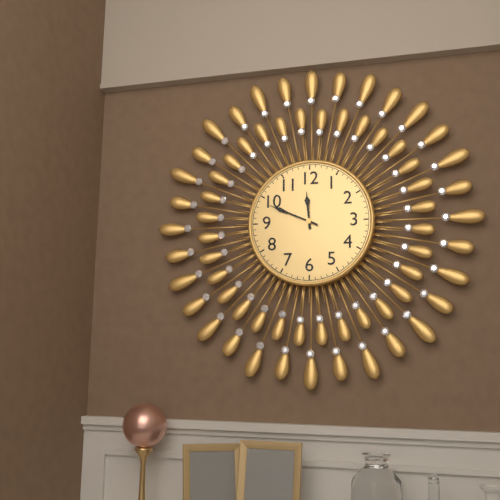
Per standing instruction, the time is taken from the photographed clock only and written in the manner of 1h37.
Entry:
11h49
